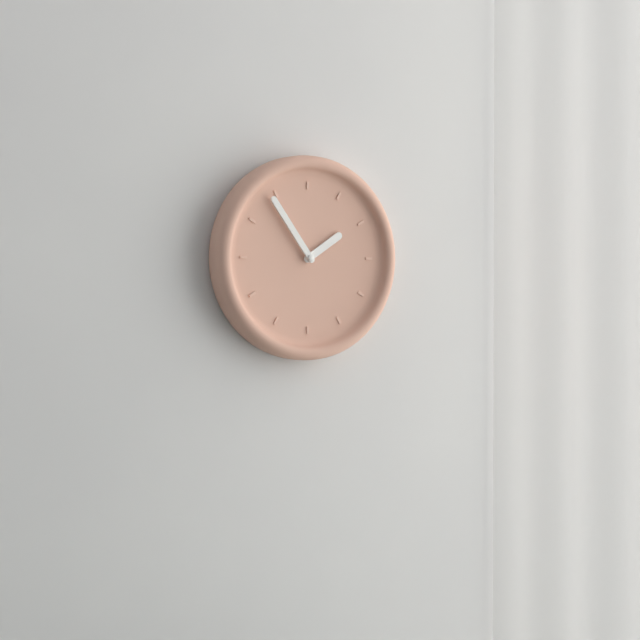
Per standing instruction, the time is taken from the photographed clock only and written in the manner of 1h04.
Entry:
1h54
